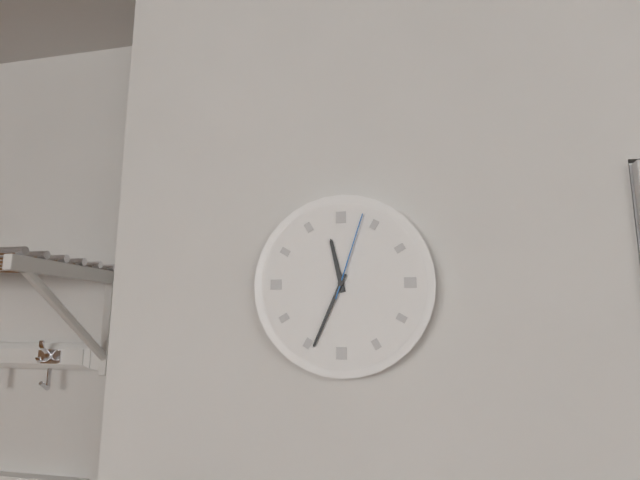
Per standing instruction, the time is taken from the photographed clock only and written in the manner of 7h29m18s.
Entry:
11h34m03s
